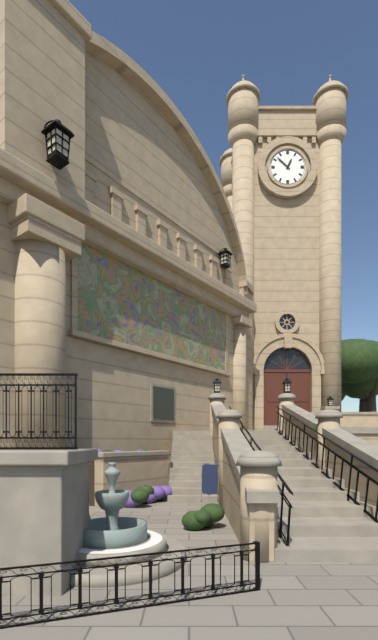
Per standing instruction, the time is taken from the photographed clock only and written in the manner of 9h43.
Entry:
12h52
